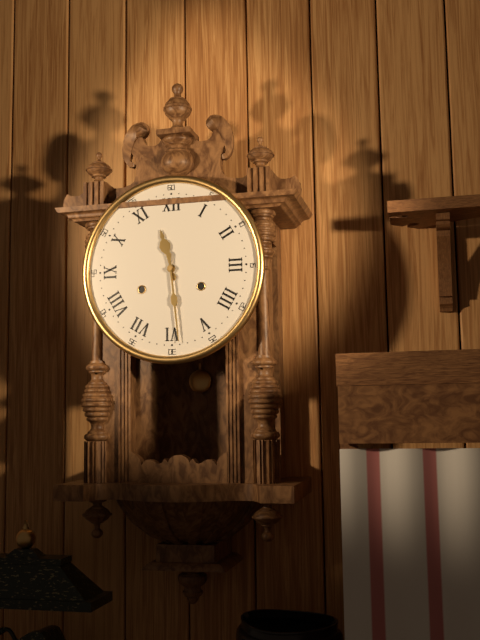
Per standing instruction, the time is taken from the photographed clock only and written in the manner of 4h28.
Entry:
11h29
